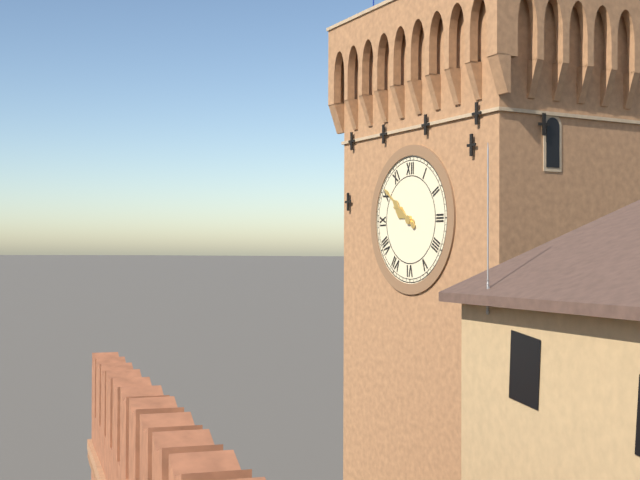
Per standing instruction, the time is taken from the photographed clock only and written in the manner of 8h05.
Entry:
9h51
